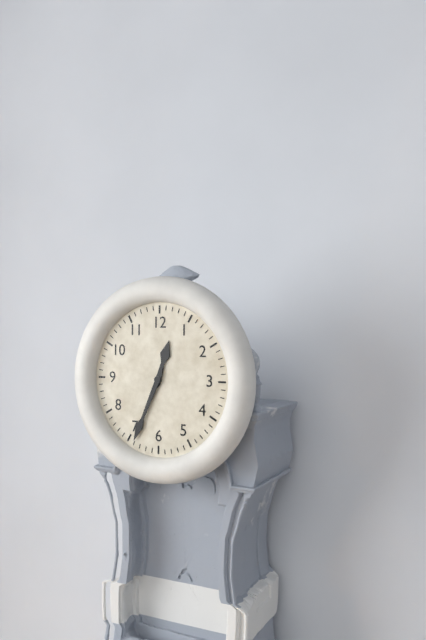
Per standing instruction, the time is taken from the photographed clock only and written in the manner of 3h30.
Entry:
12h34
